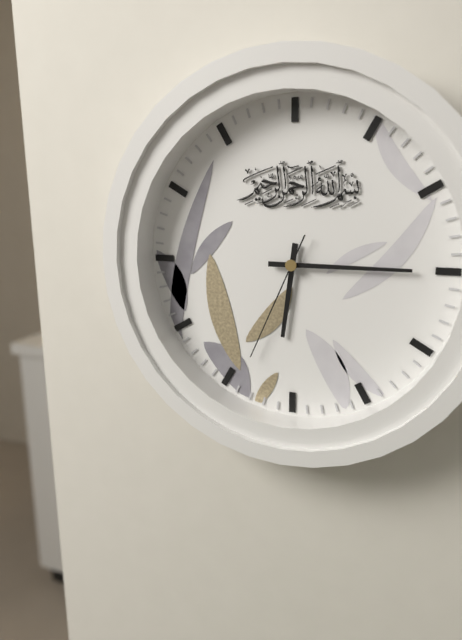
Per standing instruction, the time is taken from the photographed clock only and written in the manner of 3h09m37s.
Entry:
6h15m34s
